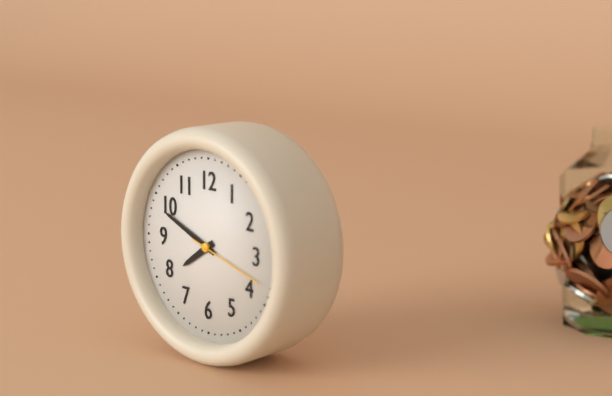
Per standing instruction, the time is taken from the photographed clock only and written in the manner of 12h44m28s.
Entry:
7h49m18s
